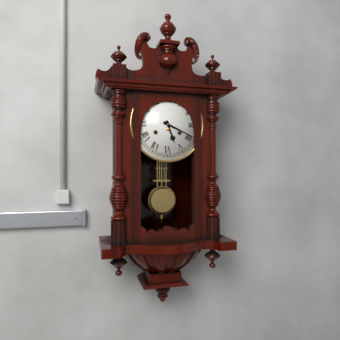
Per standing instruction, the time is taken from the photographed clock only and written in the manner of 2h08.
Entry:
5h19
